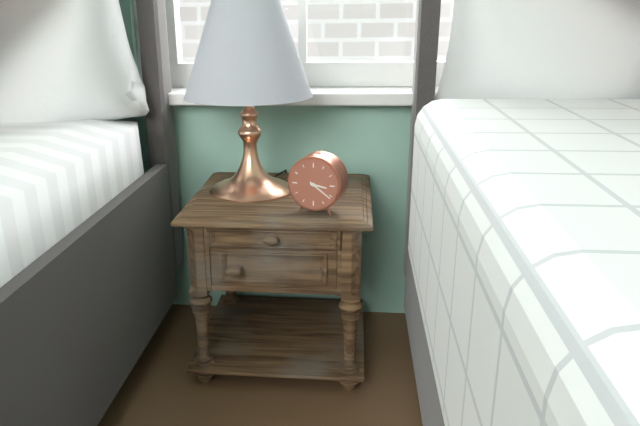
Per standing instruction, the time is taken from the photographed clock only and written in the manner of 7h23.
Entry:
3h21
